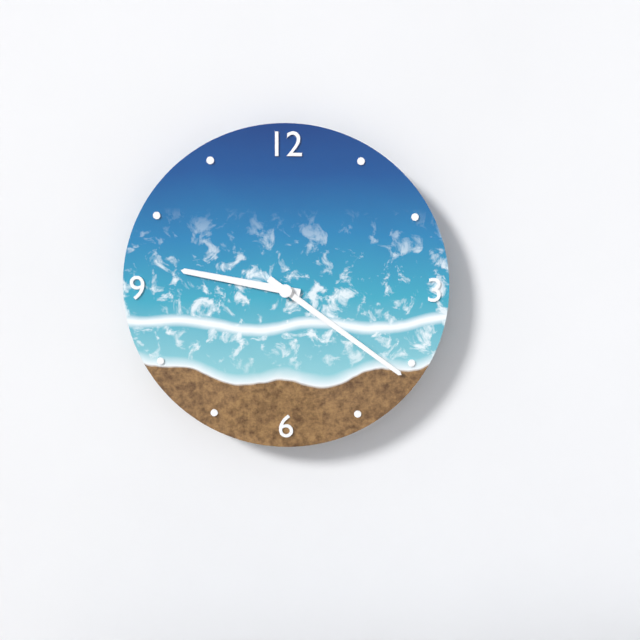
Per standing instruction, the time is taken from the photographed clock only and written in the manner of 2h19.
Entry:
9h21
